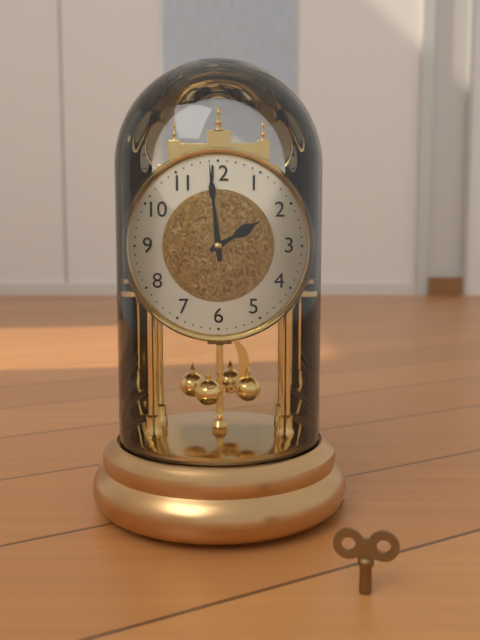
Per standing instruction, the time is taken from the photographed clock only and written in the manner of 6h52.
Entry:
1h59
